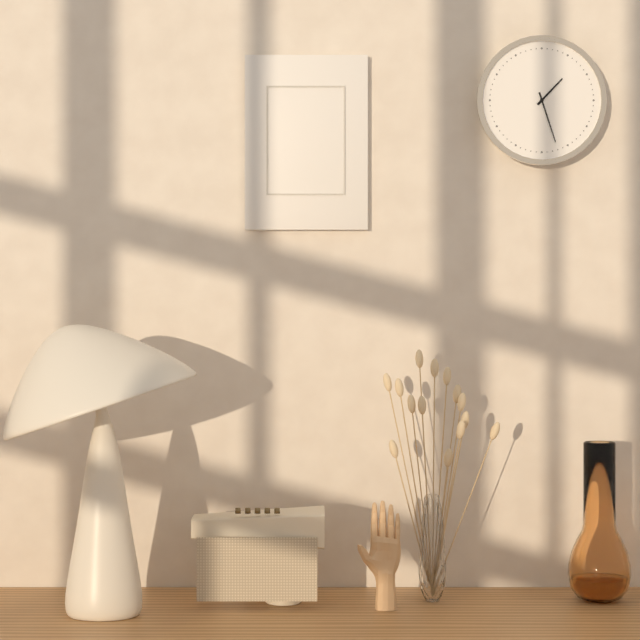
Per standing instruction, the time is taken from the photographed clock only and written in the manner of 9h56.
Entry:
1h27
